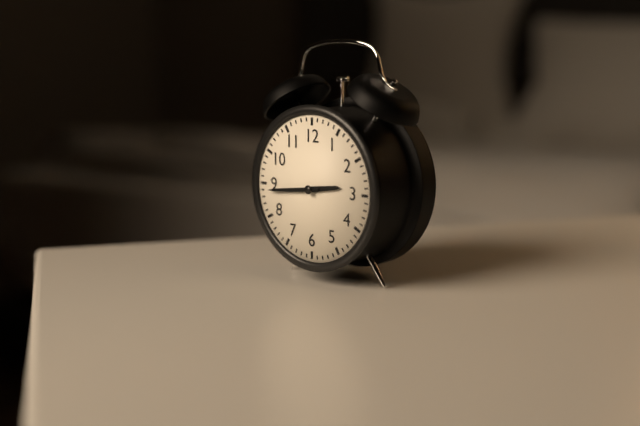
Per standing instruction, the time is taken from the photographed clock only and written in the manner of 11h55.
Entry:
2h44
